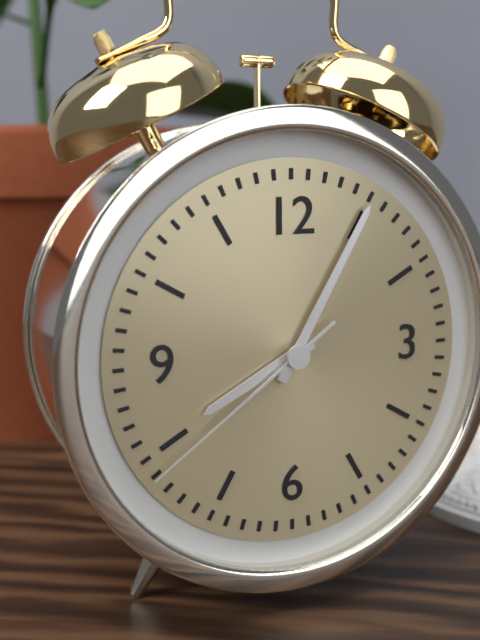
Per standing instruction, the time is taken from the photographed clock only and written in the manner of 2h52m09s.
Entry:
8h05m39s
